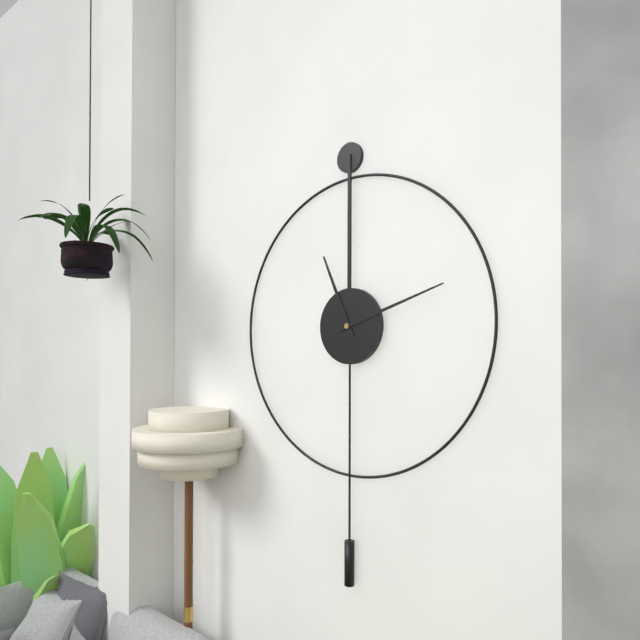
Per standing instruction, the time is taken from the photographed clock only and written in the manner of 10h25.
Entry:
11h12
